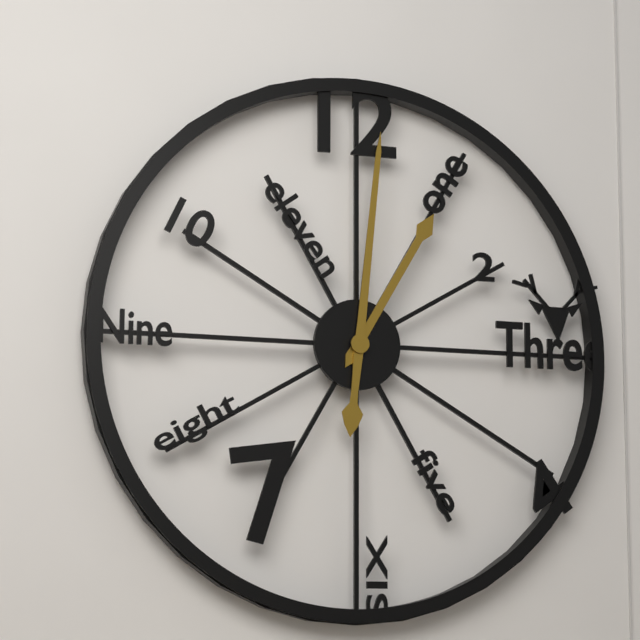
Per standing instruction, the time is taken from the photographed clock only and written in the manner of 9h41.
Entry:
1h01
